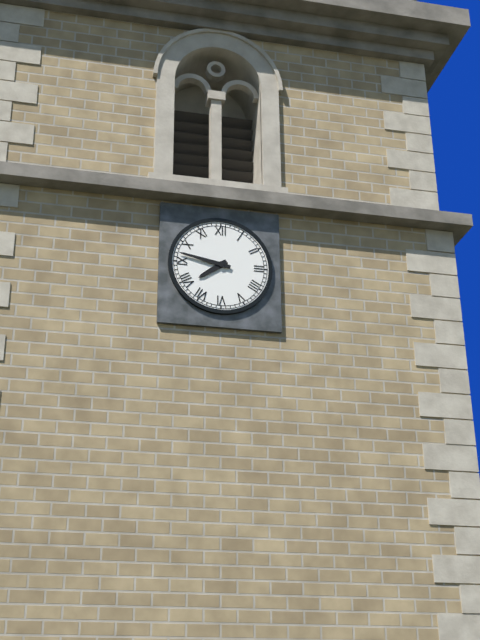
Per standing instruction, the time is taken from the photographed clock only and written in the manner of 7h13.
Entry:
7h47
